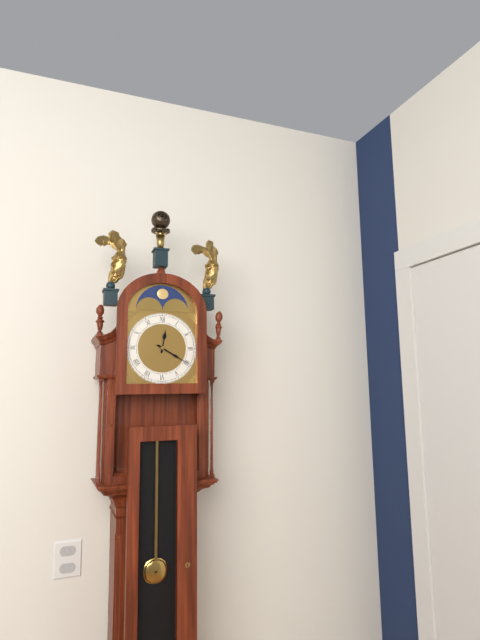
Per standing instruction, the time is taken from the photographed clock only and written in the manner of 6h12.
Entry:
12h20
